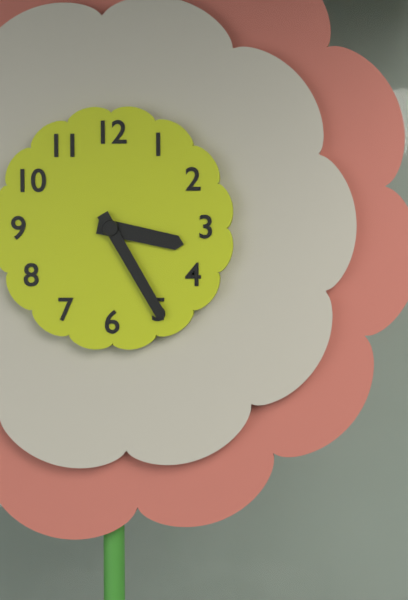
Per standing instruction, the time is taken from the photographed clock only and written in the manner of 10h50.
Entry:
3h25
